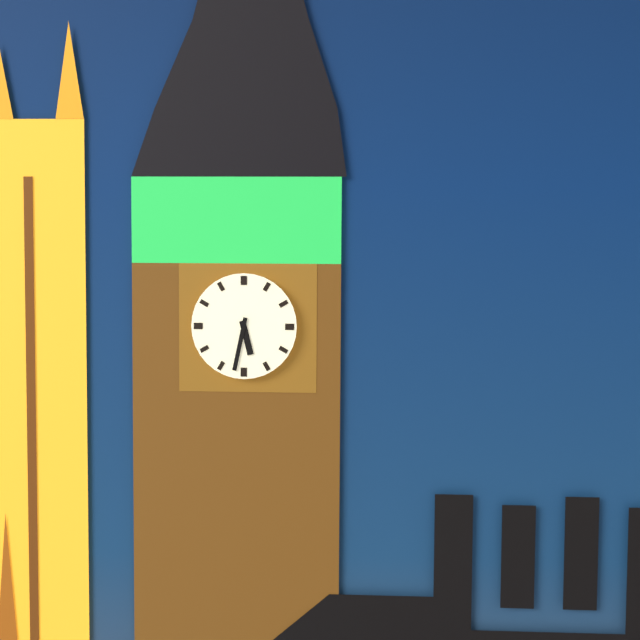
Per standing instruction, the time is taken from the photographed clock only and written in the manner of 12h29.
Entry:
5h32
